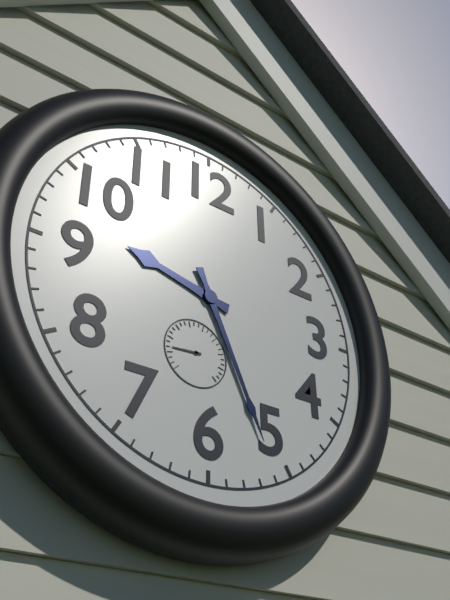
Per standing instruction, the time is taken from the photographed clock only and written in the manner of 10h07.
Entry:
9h26
